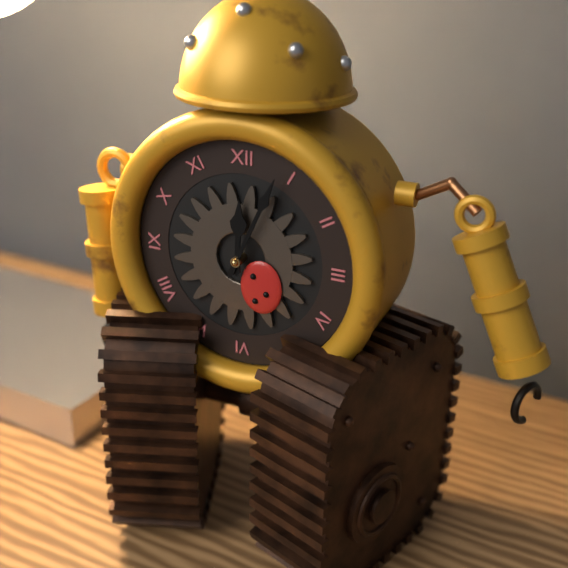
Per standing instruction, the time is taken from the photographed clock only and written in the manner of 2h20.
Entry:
12h04
